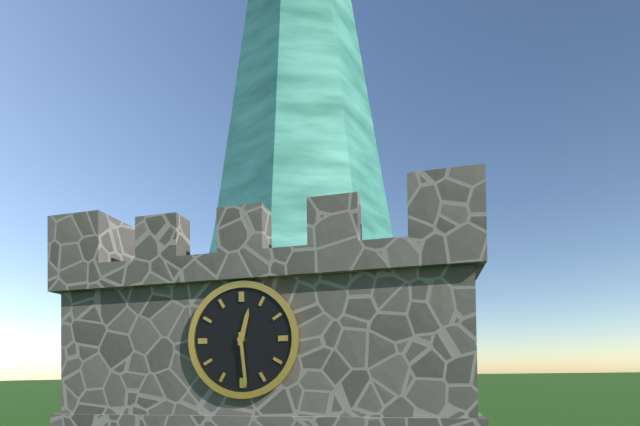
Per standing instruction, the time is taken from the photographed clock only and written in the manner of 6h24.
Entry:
12h29
